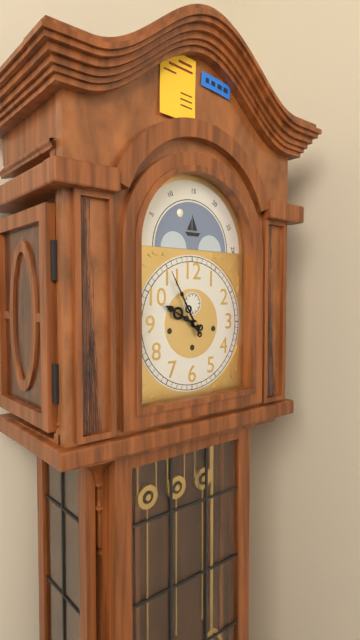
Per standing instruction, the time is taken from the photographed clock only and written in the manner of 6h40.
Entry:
9h55
